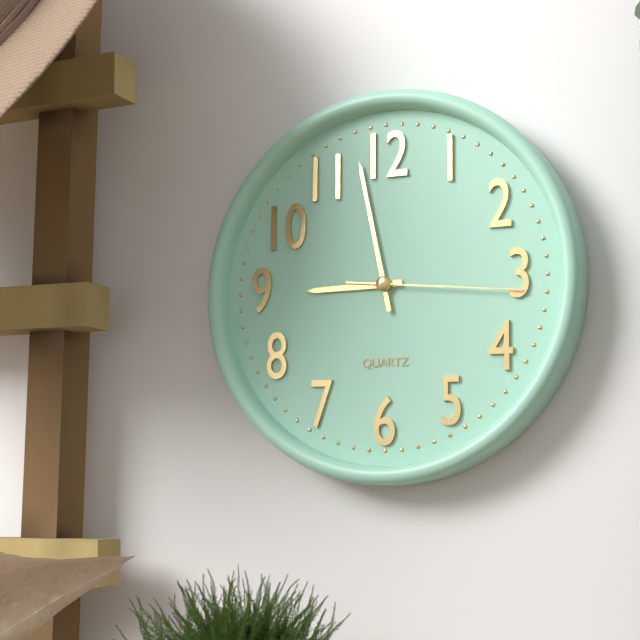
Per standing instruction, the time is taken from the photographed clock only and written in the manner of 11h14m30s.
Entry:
8h58m16s
